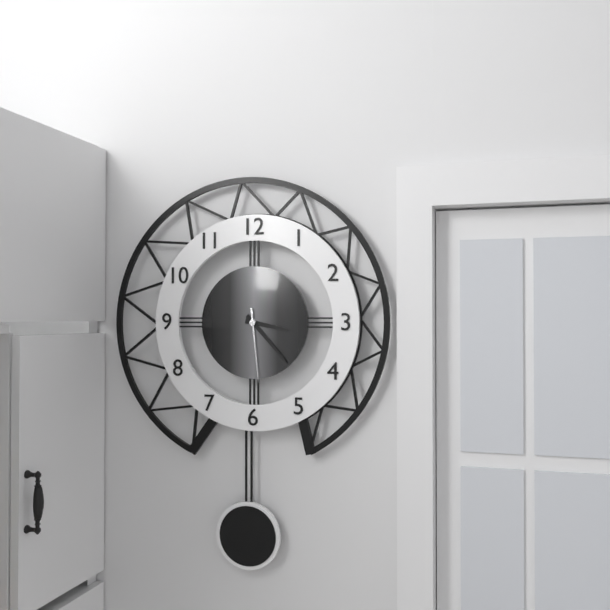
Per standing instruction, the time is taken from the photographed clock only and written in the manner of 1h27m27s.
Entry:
3h23m29s
